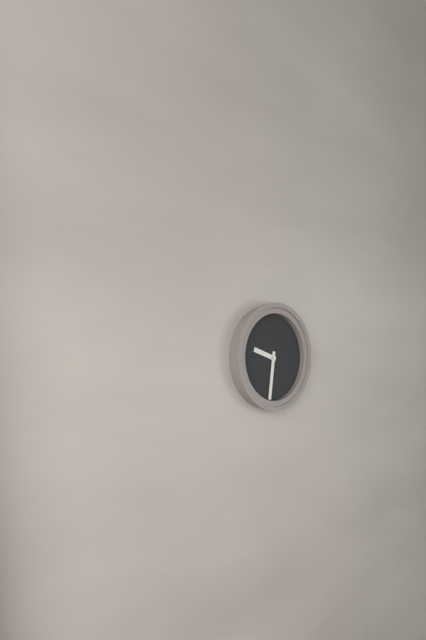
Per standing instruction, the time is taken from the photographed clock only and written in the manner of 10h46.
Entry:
9h31
